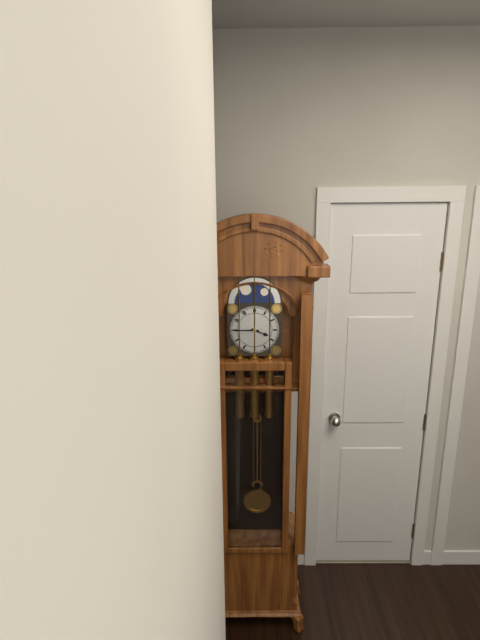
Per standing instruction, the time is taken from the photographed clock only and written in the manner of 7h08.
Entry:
3h45
